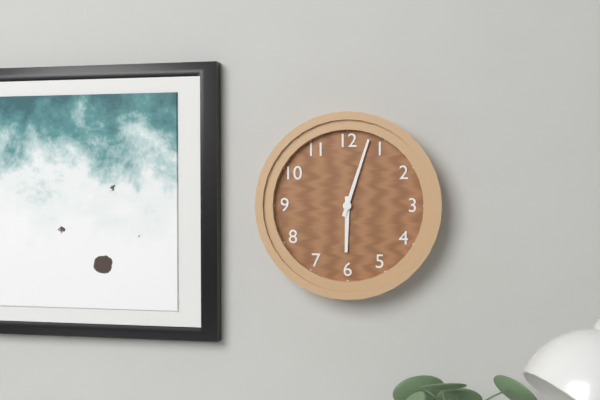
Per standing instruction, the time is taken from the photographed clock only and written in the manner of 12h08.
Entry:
6h03
